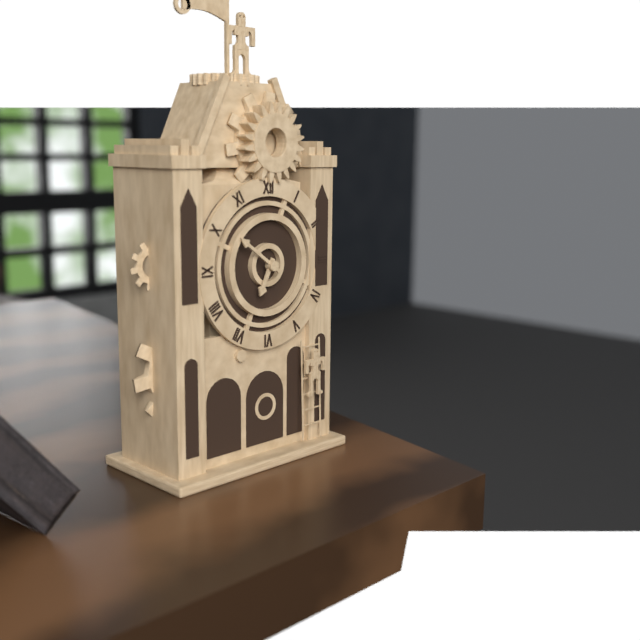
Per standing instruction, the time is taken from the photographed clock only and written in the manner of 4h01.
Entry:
6h51
